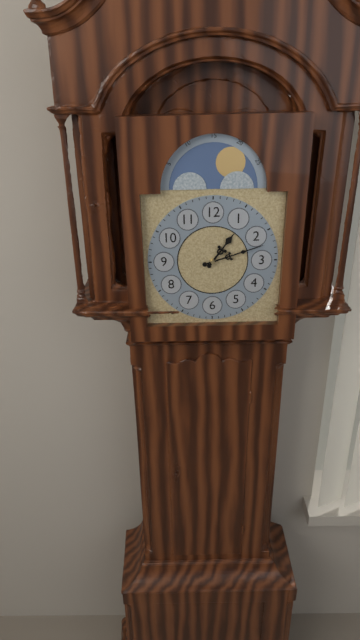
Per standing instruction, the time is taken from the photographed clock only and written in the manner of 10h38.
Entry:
1h12
